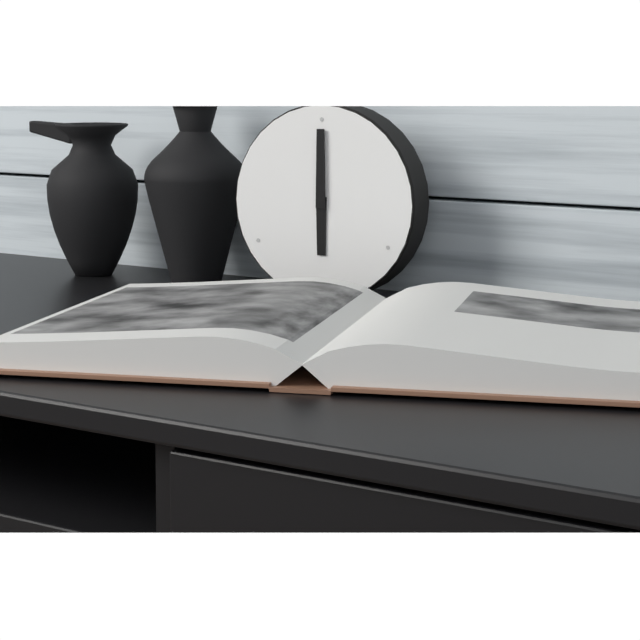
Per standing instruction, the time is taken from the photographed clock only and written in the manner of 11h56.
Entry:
6h00
